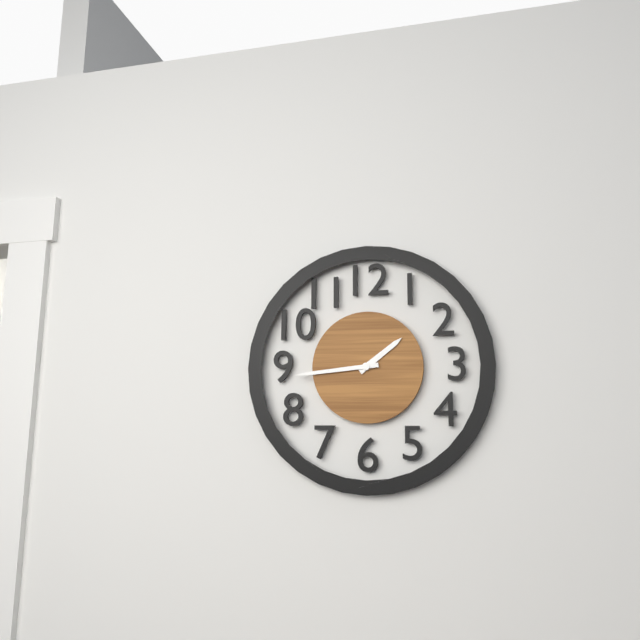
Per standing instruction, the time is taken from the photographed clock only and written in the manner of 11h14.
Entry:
1h44
